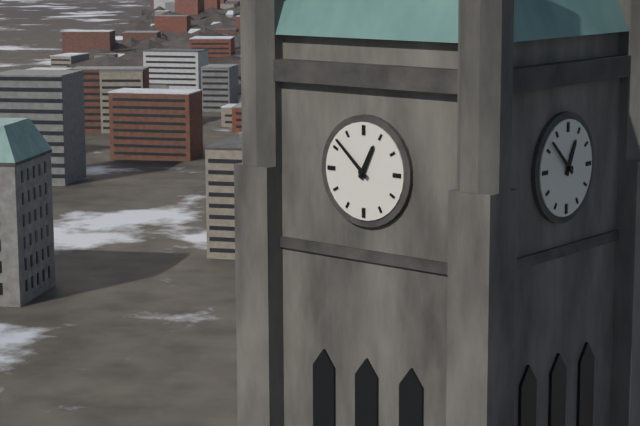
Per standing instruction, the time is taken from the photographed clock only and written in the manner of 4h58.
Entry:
12h52
